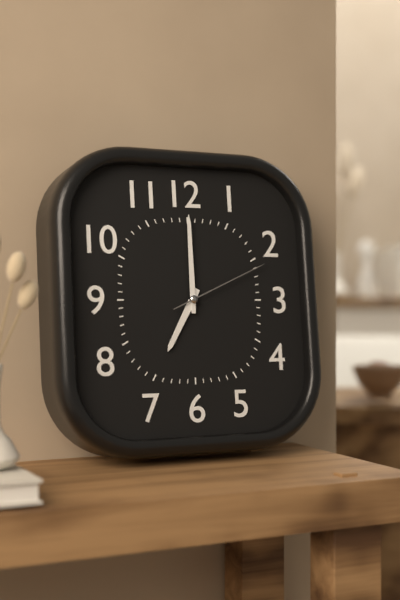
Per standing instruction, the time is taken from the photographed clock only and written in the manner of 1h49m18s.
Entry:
7h00m11s
